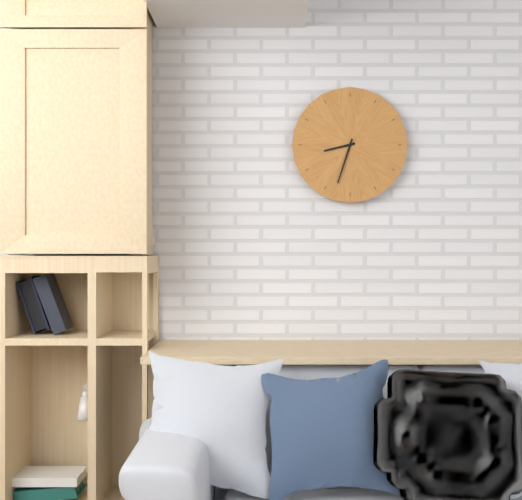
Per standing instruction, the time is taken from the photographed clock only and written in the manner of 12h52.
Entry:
8h33
